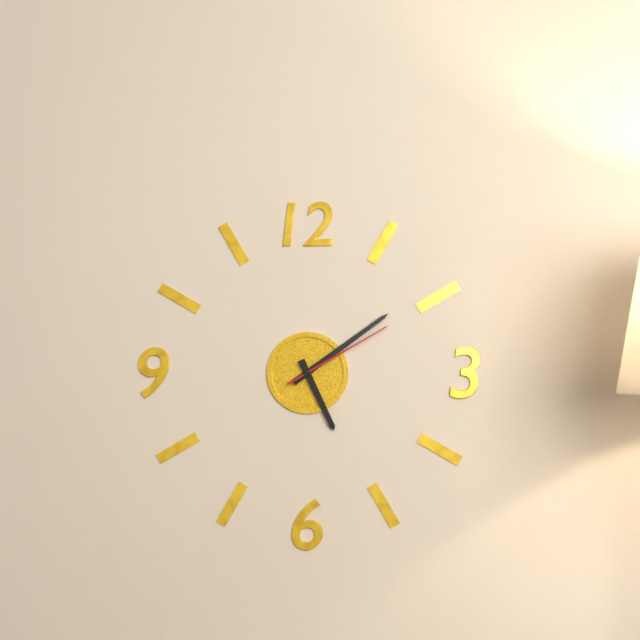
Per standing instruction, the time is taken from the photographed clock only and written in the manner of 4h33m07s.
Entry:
5h09m10s
